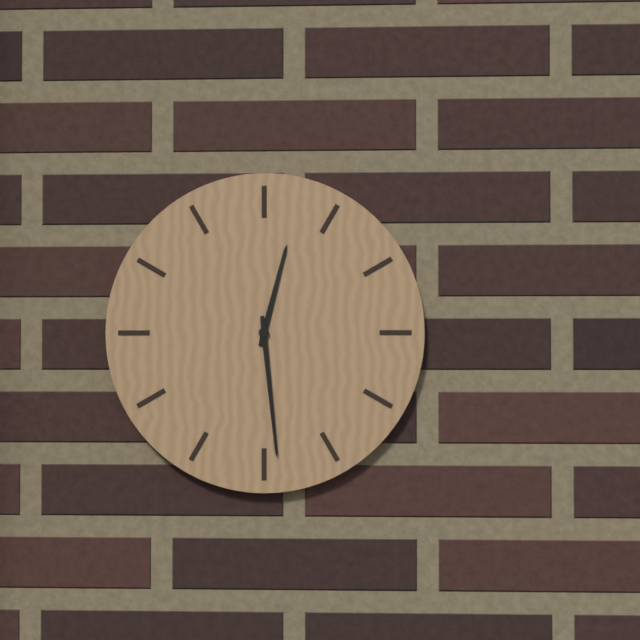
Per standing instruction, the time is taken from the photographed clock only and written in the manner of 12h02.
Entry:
12h29
